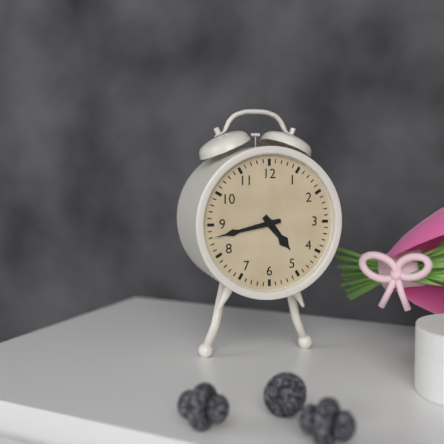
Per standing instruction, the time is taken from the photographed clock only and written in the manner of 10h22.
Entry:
4h43
